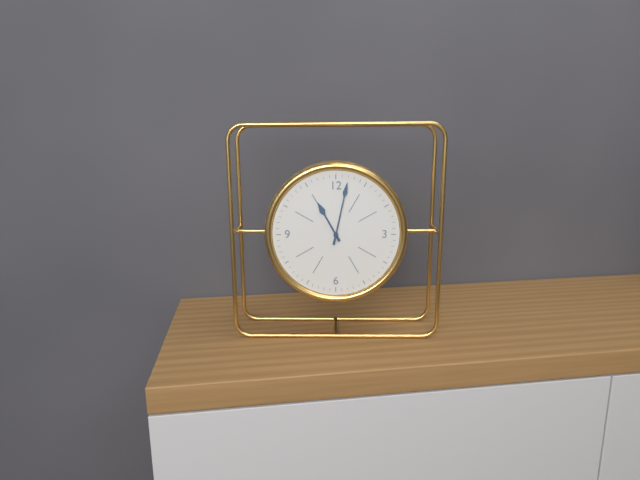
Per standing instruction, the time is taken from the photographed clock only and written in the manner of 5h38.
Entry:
11h02
